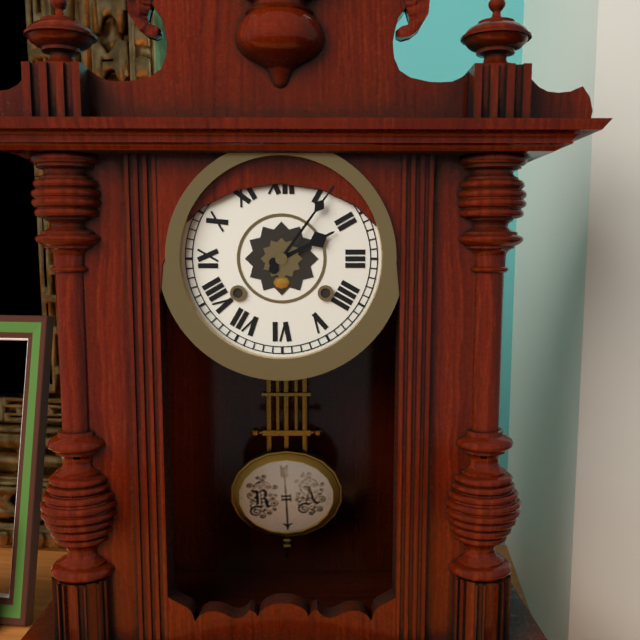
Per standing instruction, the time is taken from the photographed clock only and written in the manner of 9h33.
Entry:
2h06
